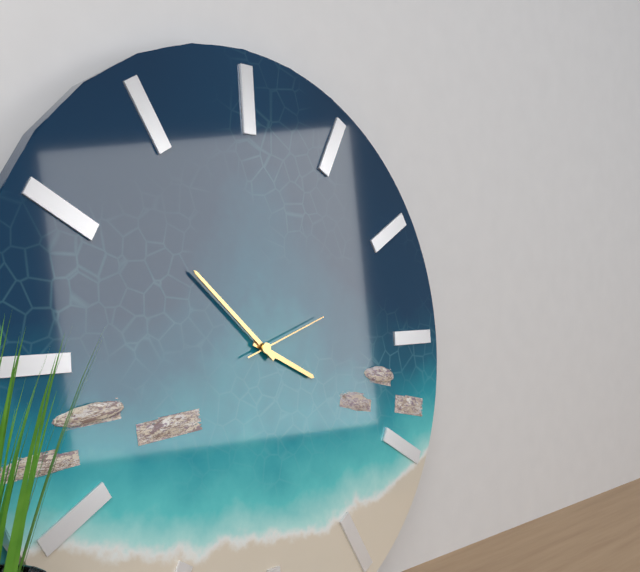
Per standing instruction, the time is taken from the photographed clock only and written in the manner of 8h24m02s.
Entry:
3h52m12s
